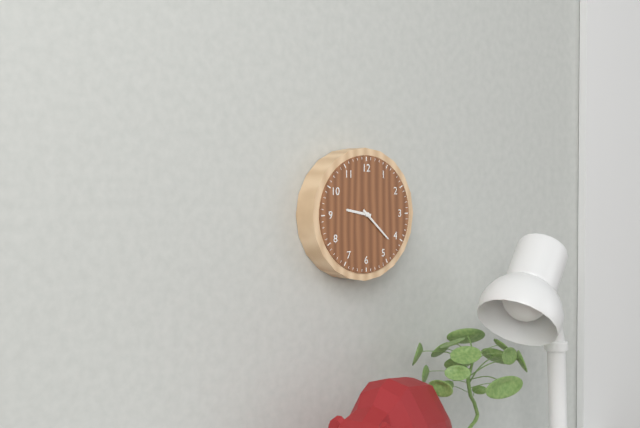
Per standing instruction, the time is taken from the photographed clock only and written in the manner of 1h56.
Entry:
9h22
